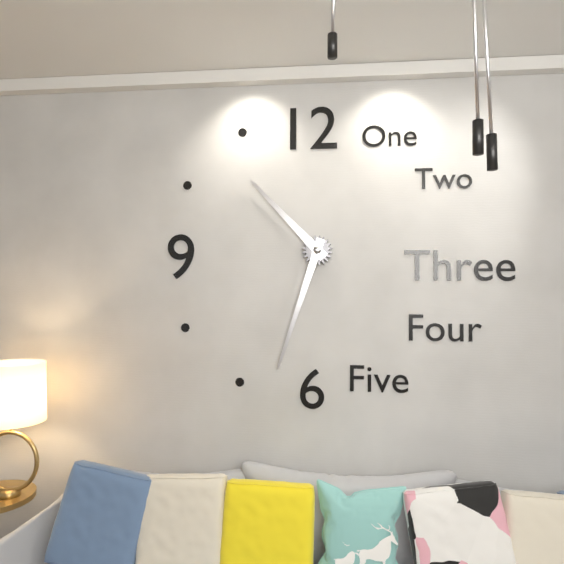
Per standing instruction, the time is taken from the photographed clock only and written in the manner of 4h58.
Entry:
10h33
